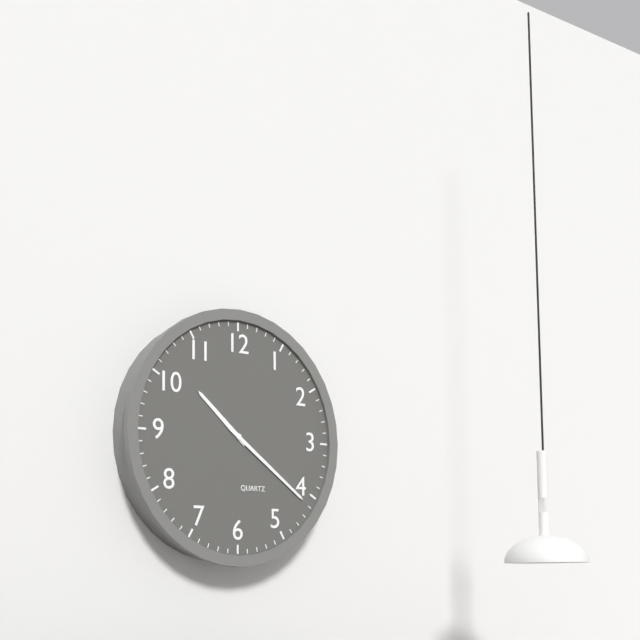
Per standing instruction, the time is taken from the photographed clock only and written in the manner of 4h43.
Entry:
10h21
